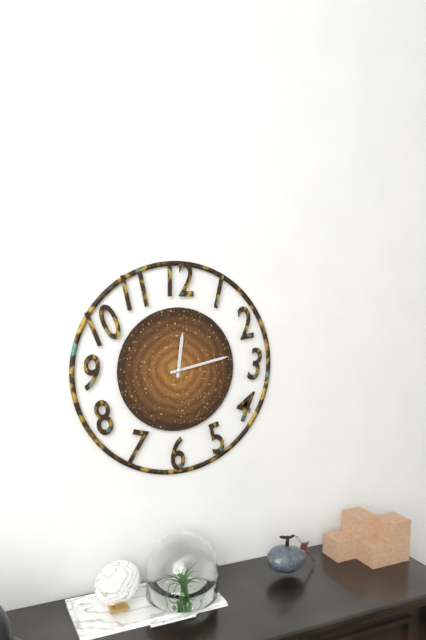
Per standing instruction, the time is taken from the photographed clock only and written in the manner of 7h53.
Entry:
12h13
